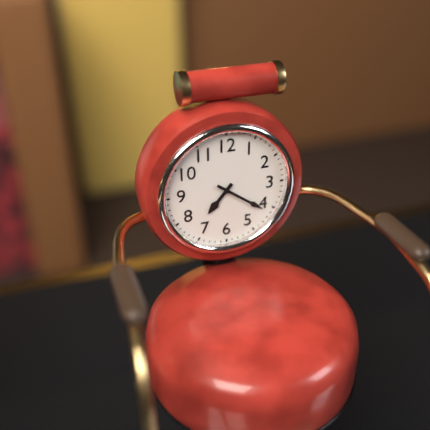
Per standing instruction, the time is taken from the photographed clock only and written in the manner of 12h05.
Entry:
7h21
